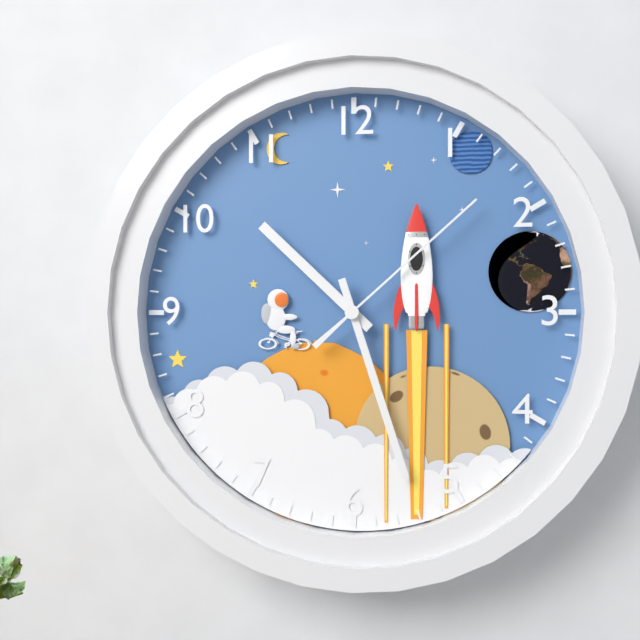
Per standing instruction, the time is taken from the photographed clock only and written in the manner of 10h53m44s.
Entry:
10h27m08s
